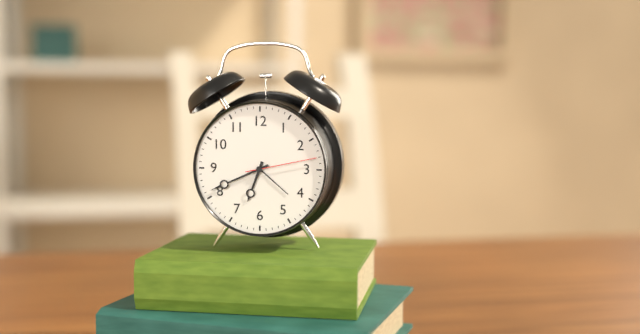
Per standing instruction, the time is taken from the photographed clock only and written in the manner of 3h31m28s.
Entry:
6h41m13s
